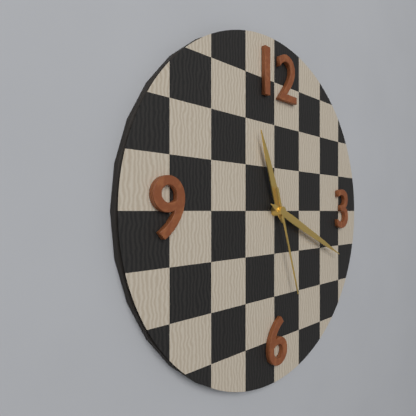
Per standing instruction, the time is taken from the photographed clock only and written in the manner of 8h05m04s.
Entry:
11h19m27s
